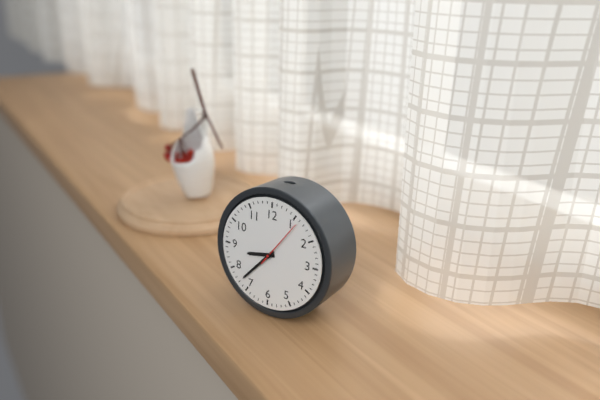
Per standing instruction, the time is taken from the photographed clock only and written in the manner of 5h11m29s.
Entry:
8h37m06s
